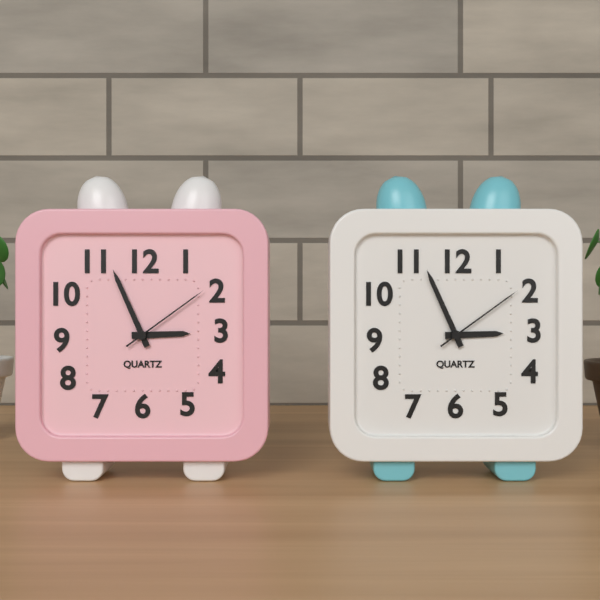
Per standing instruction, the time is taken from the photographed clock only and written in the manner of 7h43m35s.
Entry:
2h56m09s
